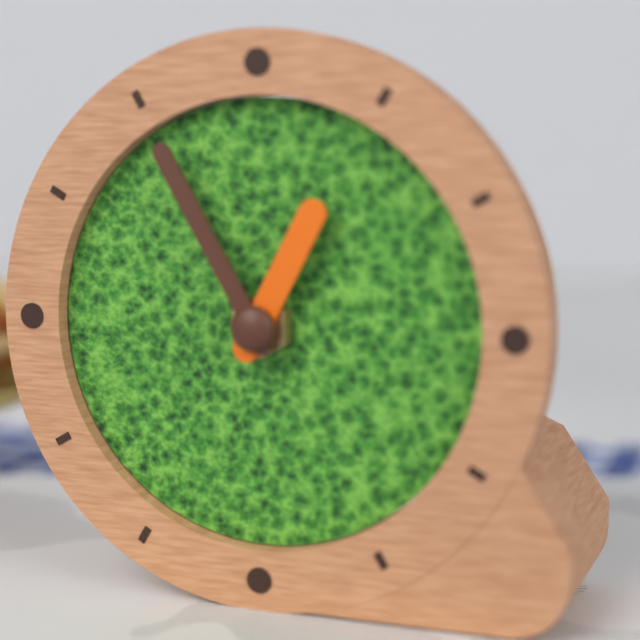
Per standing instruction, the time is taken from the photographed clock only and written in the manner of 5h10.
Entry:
12h55
